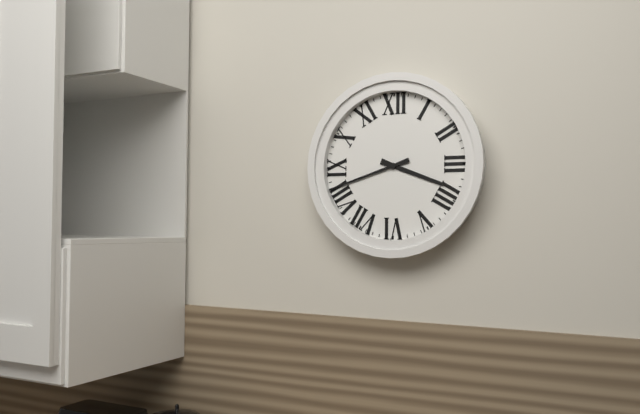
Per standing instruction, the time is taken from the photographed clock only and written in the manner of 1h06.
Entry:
3h42
